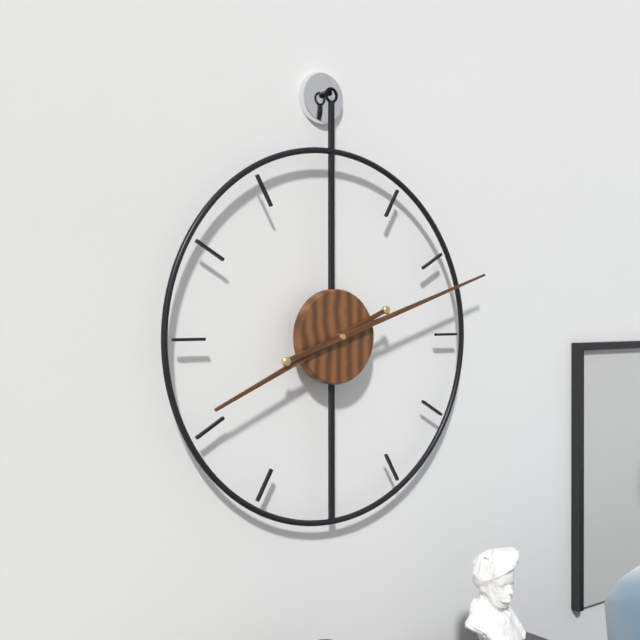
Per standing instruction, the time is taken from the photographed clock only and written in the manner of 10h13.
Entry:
8h12
